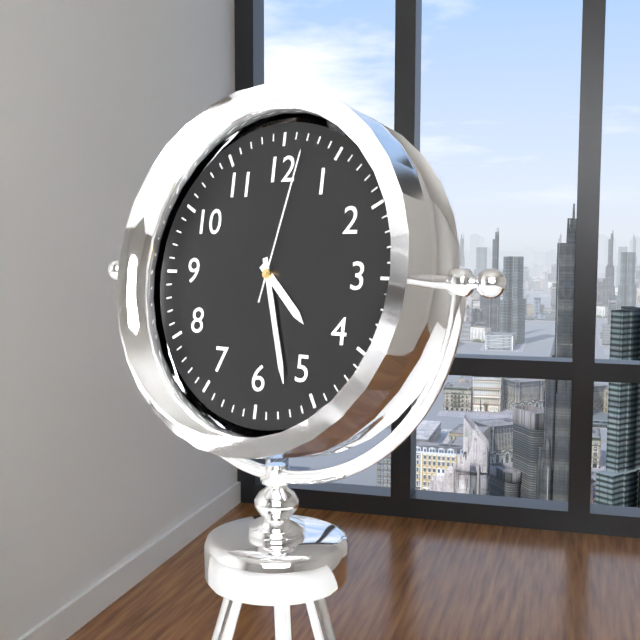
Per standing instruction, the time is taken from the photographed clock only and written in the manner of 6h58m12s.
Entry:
4h27m02s
